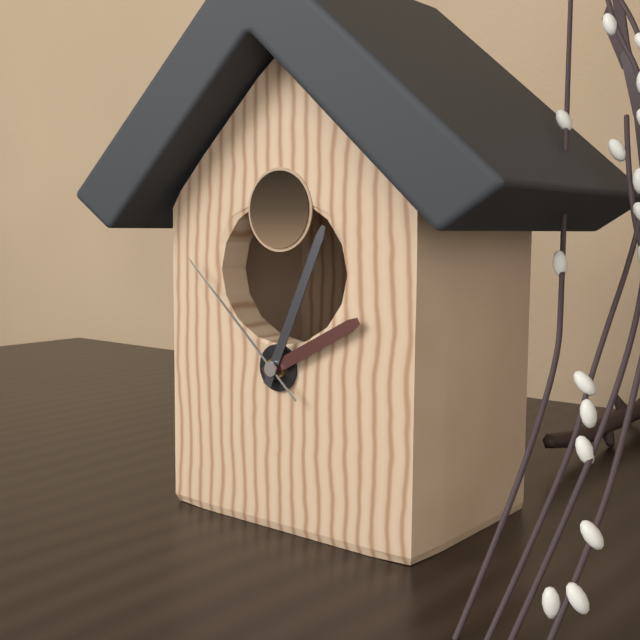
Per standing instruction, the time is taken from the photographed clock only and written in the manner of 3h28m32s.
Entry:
2h04m52s
